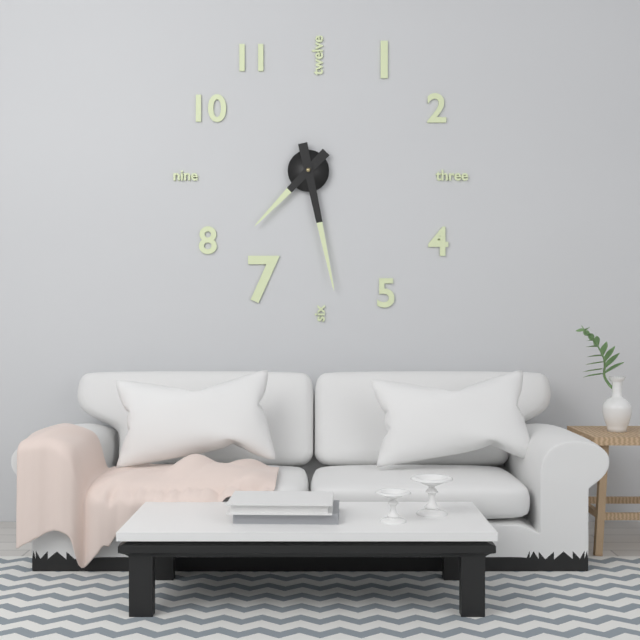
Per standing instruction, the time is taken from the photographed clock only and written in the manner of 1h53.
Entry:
7h28
